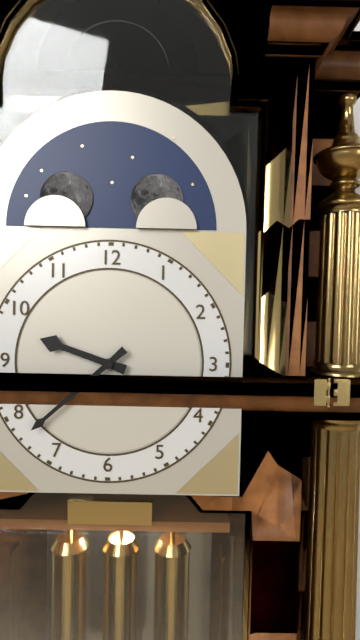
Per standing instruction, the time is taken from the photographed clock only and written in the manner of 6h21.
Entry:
9h38
